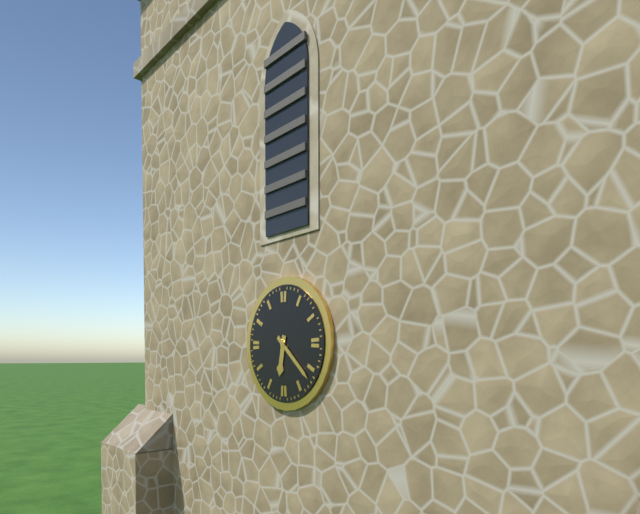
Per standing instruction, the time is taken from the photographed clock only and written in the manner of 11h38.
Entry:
6h22
